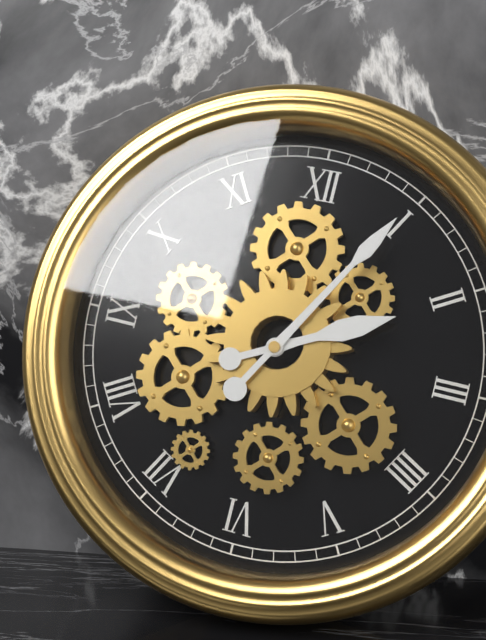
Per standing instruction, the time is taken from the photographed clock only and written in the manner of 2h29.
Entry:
2h05
